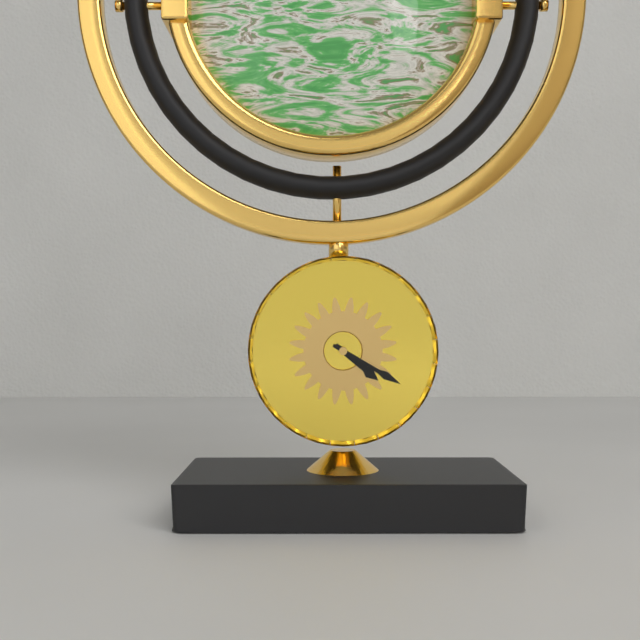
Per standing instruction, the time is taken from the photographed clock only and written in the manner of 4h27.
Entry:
4h20
